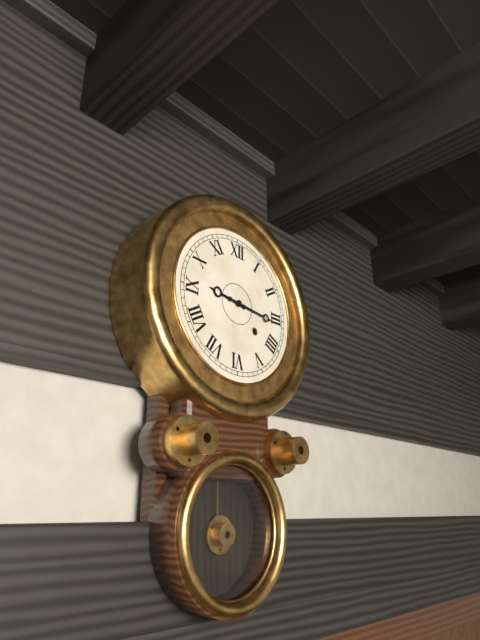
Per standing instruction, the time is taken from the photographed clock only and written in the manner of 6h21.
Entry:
9h16
